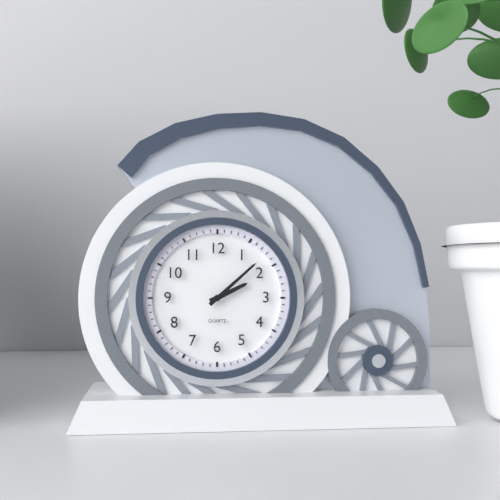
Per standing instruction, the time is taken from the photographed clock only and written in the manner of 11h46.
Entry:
2h08
